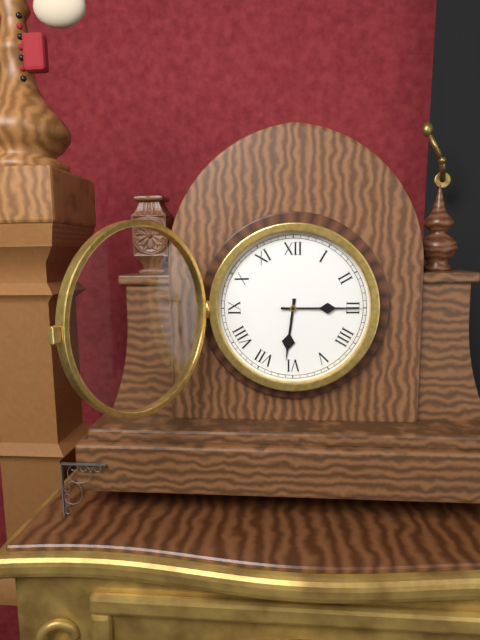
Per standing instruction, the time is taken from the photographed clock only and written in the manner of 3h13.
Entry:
6h15
